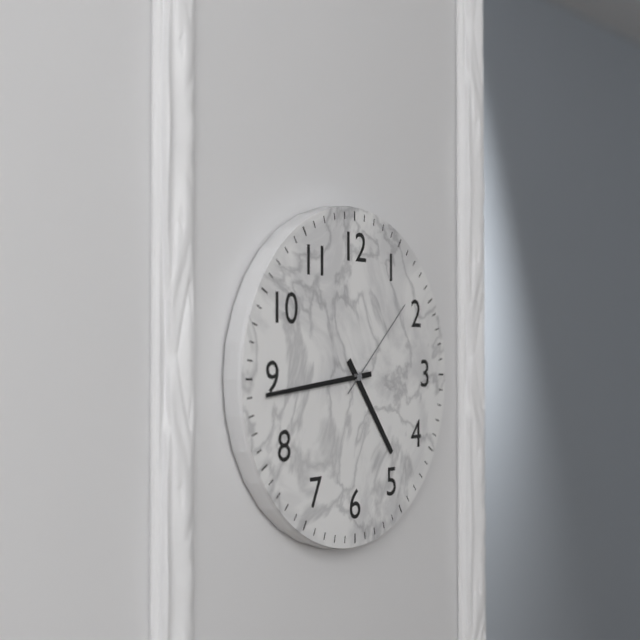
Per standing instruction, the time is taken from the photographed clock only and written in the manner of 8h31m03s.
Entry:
4h44m08s
